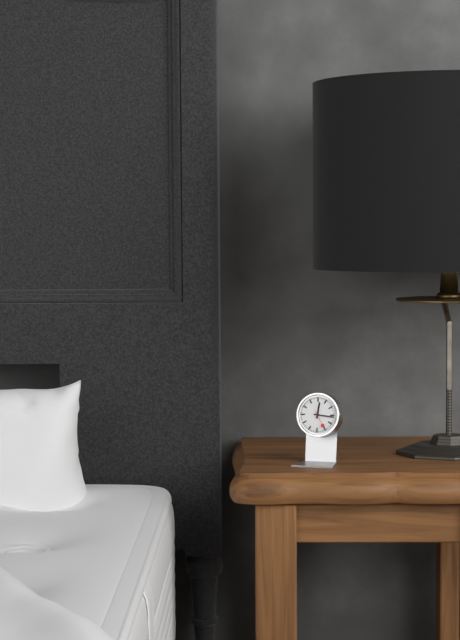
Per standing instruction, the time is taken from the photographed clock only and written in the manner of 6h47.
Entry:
12h16
